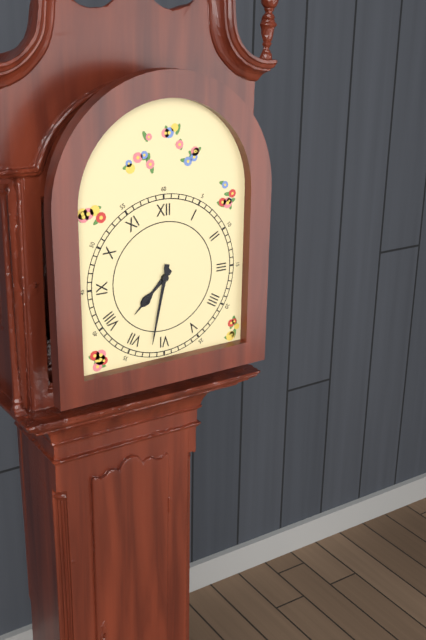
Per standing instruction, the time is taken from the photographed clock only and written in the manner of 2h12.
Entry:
7h32
